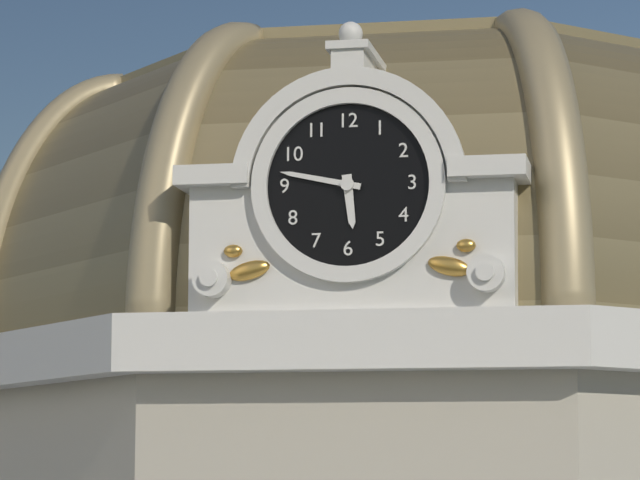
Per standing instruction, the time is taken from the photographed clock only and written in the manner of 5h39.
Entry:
5h47
